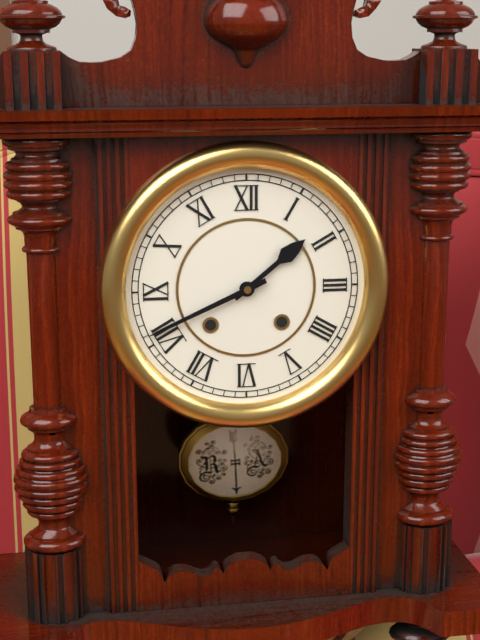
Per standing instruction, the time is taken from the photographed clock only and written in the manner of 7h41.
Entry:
1h41
